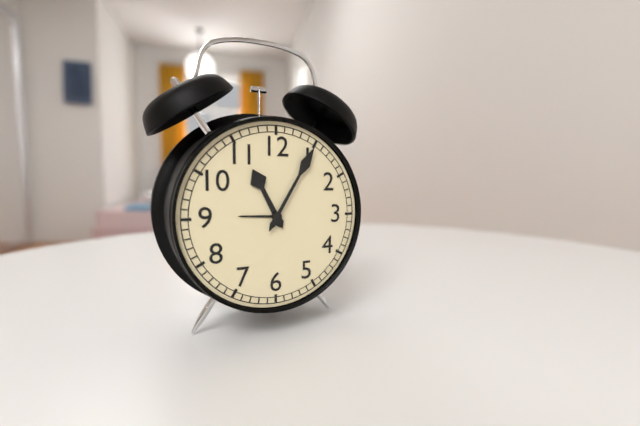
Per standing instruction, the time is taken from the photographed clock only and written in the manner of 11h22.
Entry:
11h05
